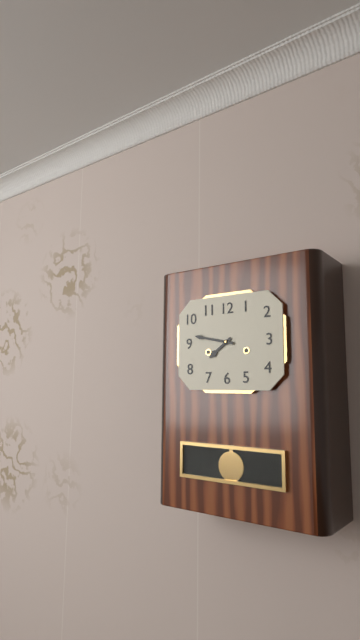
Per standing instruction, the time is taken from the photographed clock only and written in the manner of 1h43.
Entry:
7h47
